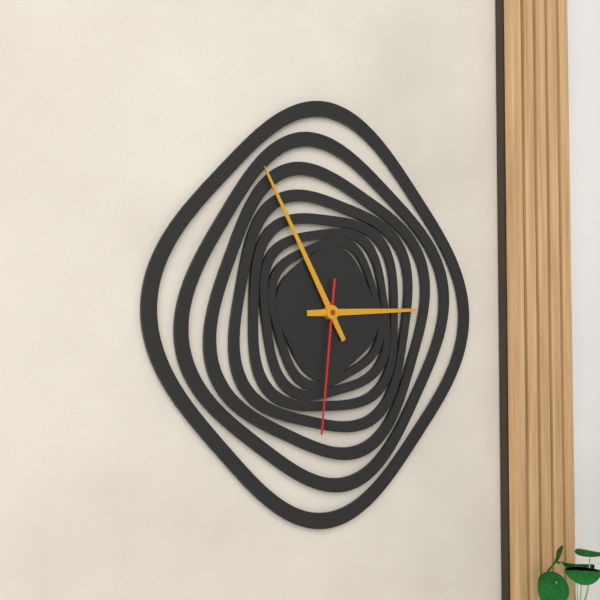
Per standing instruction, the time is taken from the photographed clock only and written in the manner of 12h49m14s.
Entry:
2h55m31s
